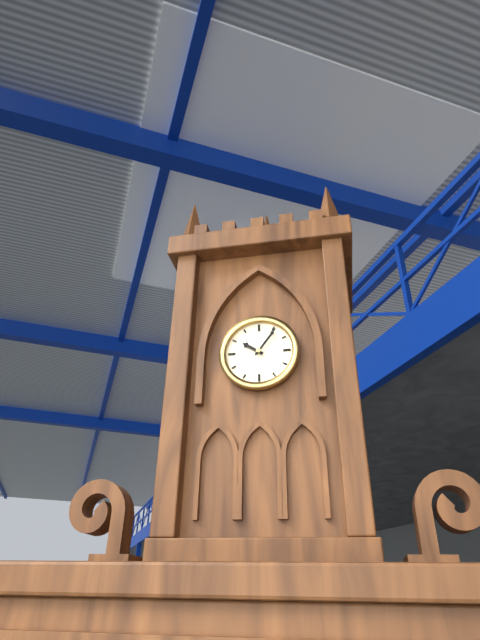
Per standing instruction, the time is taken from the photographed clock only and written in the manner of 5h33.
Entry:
10h06
